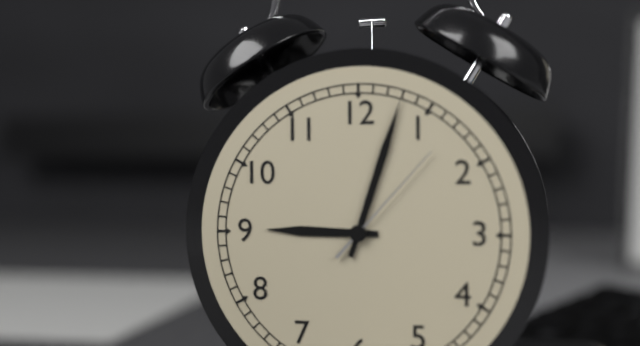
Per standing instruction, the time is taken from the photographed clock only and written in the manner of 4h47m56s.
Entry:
9h03m07s
